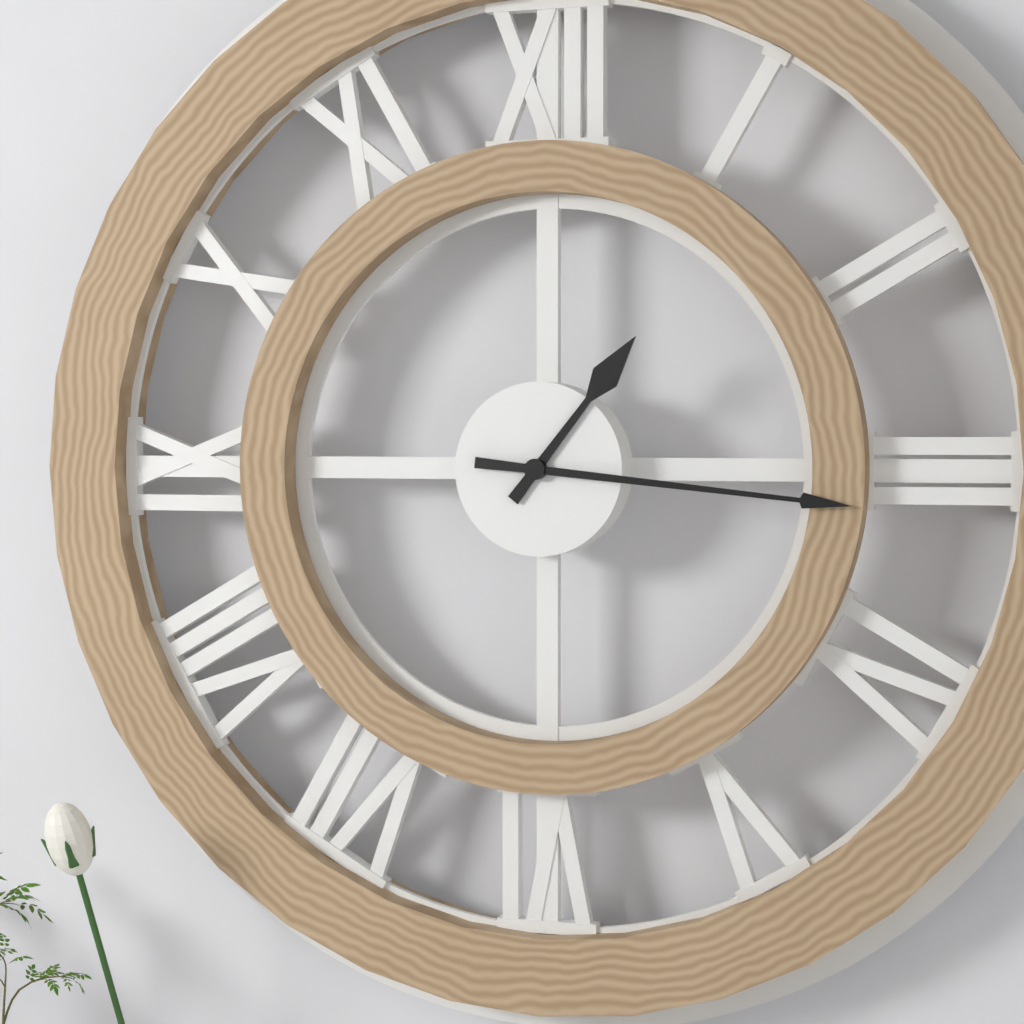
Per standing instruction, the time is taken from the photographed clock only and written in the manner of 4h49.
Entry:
1h16
